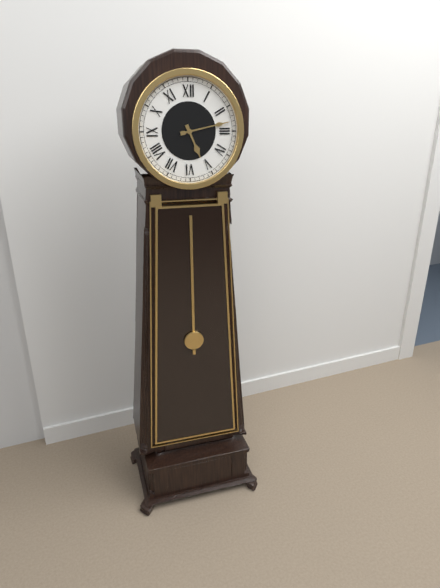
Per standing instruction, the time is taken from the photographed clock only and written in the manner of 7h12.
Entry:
5h13
